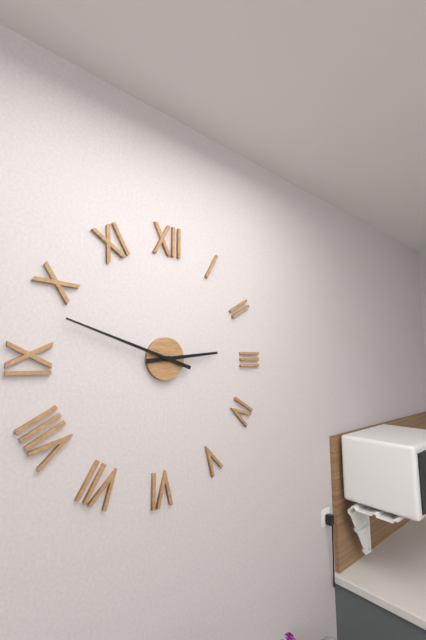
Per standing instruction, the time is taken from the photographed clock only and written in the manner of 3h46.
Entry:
2h48
